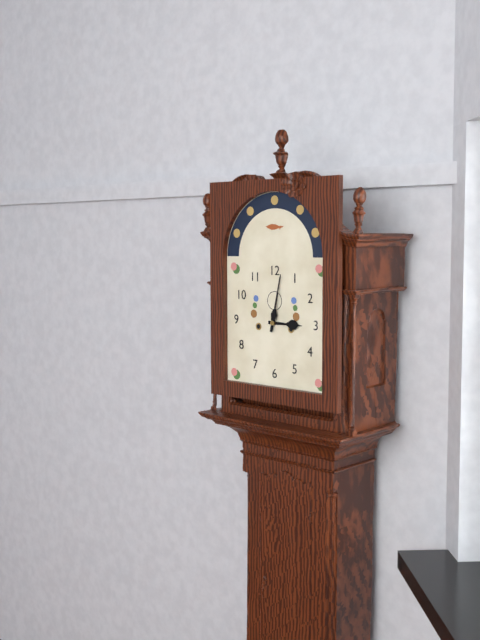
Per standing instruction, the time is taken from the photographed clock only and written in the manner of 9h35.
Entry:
3h02
